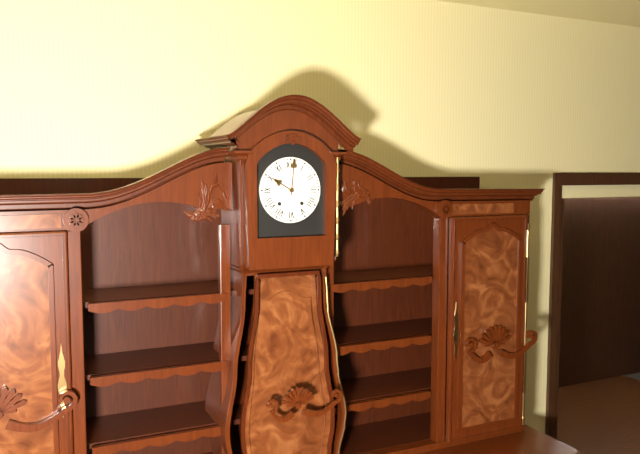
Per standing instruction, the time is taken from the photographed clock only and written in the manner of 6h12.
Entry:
10h01
